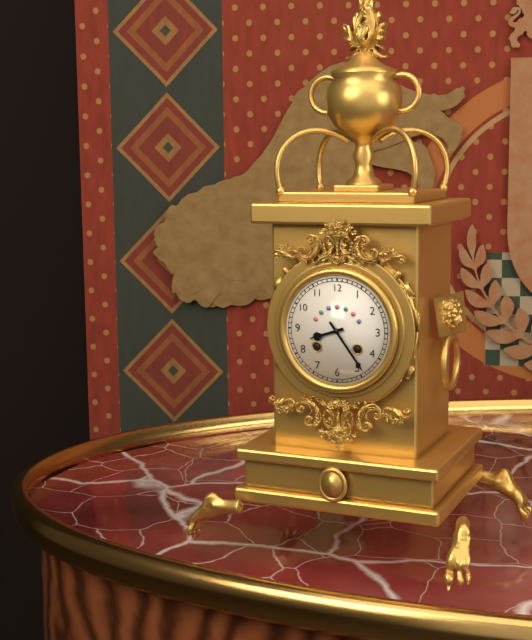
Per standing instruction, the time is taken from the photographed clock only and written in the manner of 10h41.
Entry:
8h24
